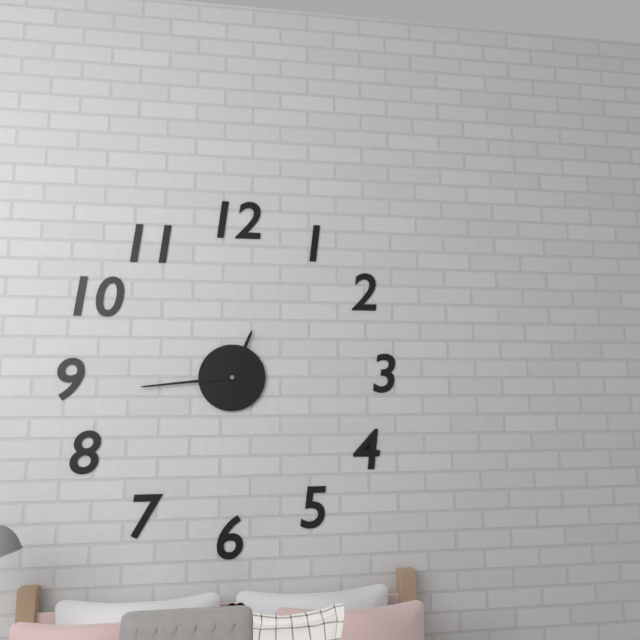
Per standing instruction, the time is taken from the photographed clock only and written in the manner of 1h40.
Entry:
12h44
